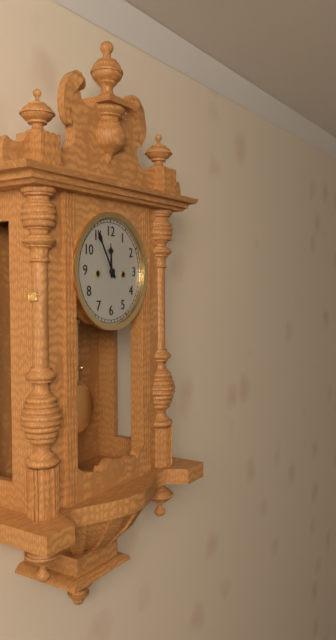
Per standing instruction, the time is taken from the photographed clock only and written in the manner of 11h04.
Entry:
11h55
